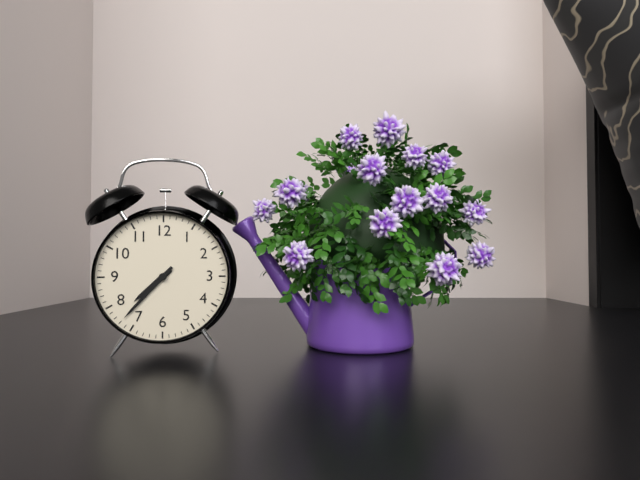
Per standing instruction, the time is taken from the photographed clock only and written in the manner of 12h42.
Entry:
7h37
